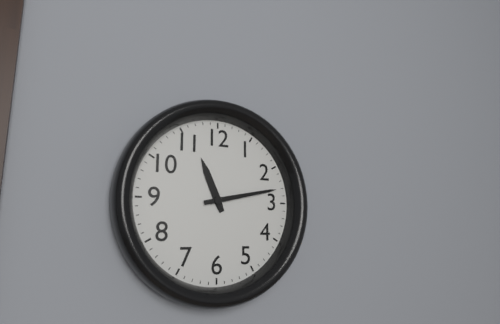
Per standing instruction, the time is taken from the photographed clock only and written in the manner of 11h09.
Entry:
11h13
